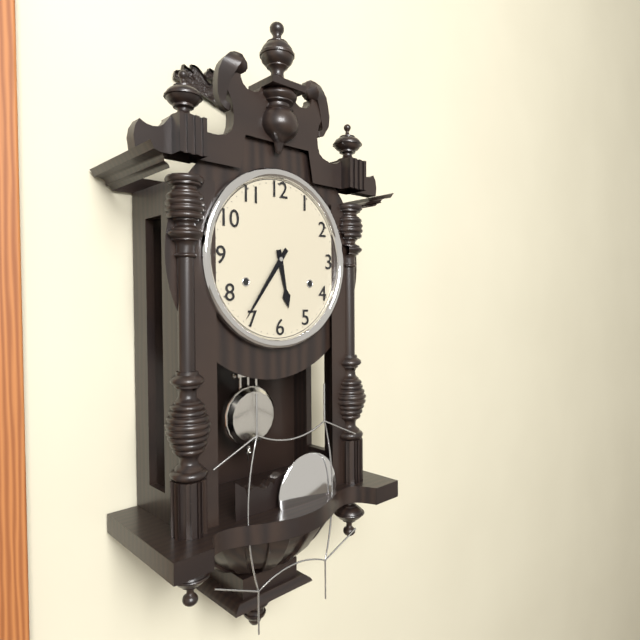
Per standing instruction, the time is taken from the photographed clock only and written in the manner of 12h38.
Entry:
5h36
